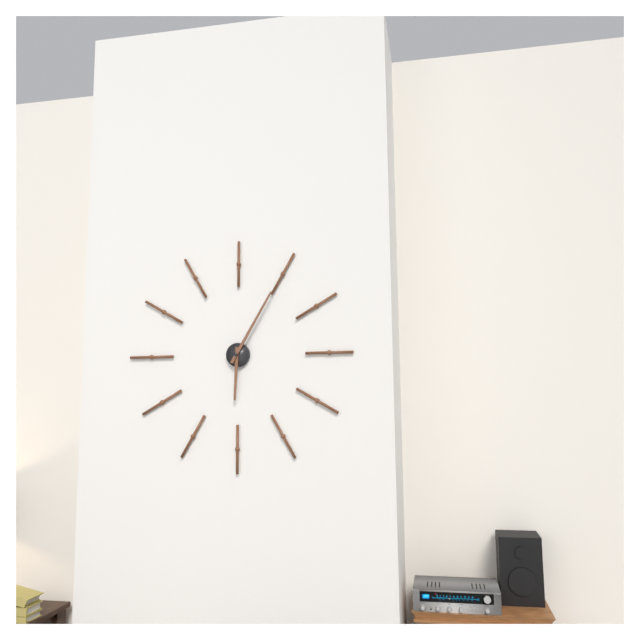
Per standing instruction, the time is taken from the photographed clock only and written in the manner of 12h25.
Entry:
6h05
